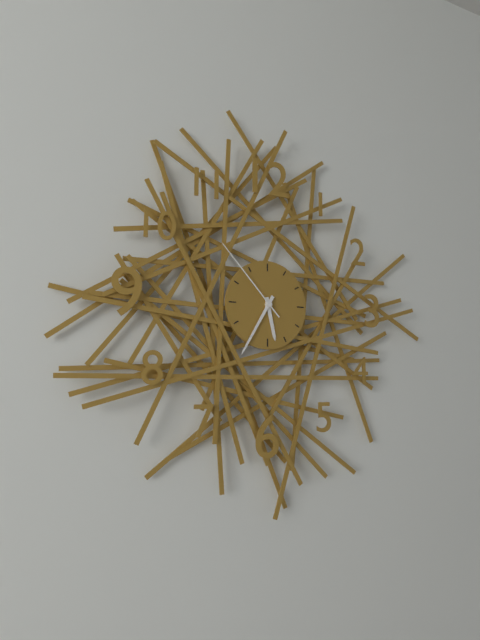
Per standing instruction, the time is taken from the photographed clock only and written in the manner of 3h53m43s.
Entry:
5h35m53s
